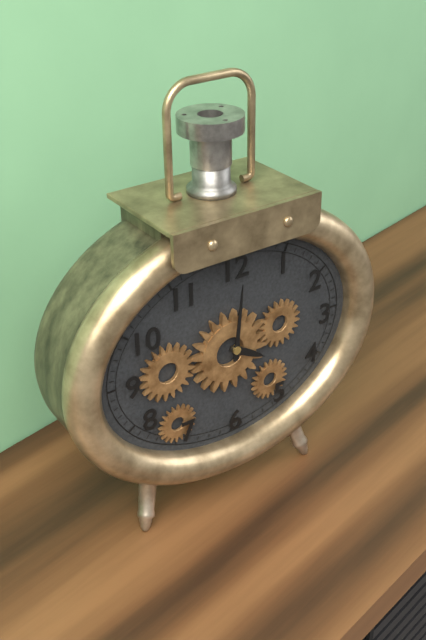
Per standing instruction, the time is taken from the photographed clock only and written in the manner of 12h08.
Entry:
4h01
